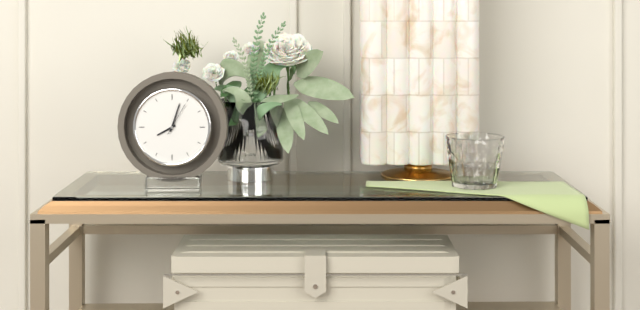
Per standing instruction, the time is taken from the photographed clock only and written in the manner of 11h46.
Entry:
8h03
